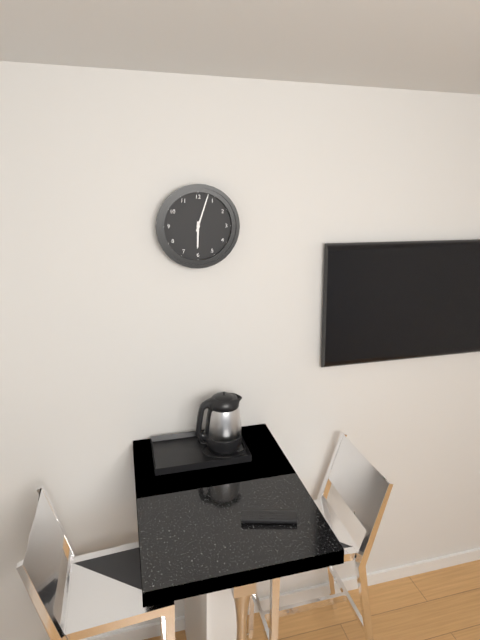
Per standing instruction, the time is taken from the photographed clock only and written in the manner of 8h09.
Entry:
6h03
